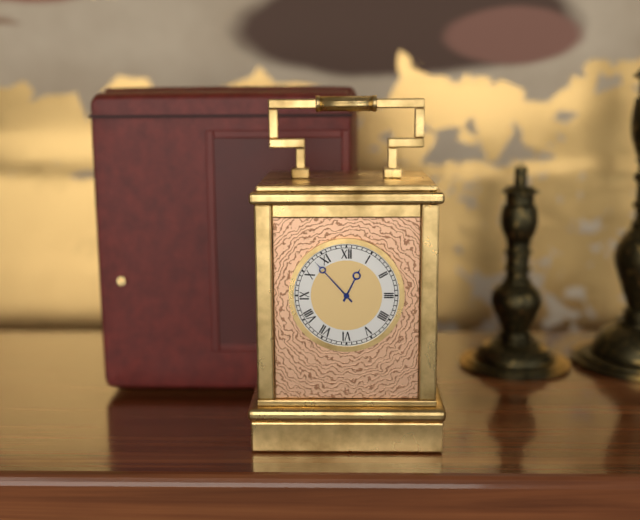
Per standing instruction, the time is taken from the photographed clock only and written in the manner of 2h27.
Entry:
12h53
